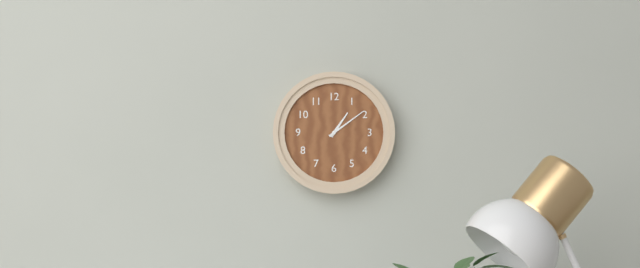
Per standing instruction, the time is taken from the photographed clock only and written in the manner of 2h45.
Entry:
1h09
